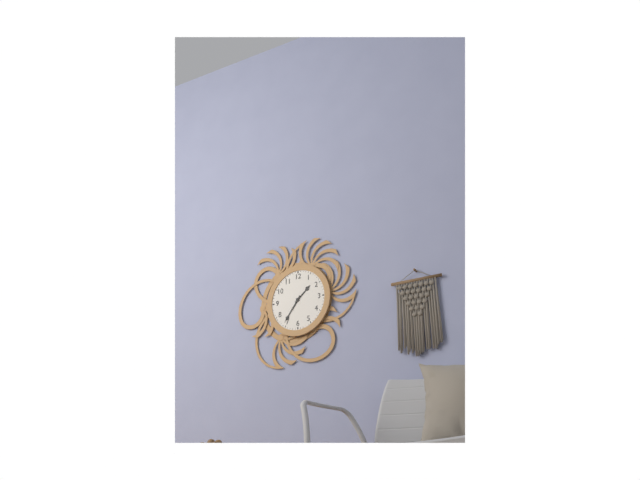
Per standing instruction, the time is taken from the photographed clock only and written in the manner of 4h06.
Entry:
1h36
